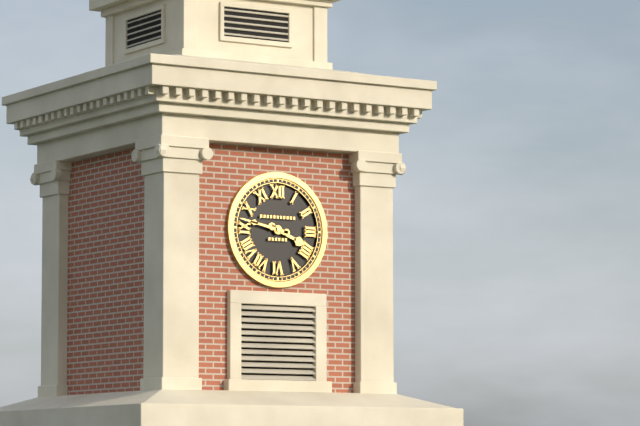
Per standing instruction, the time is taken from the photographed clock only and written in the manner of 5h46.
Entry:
3h47
